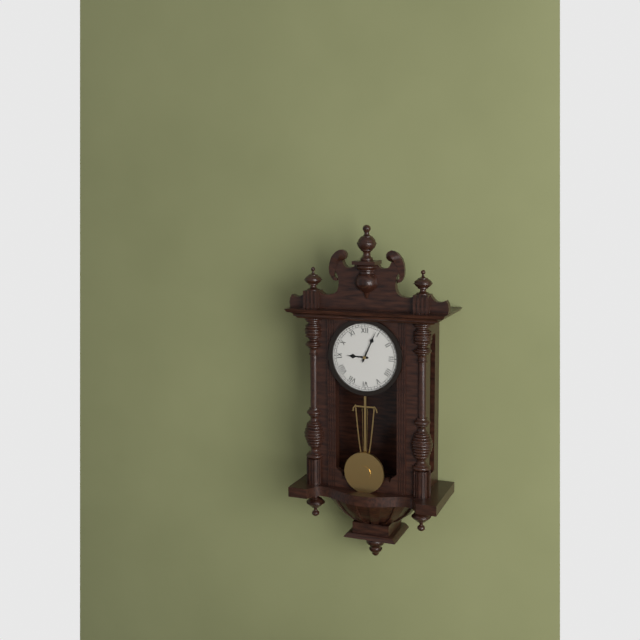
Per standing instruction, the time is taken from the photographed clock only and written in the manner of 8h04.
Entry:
9h04
